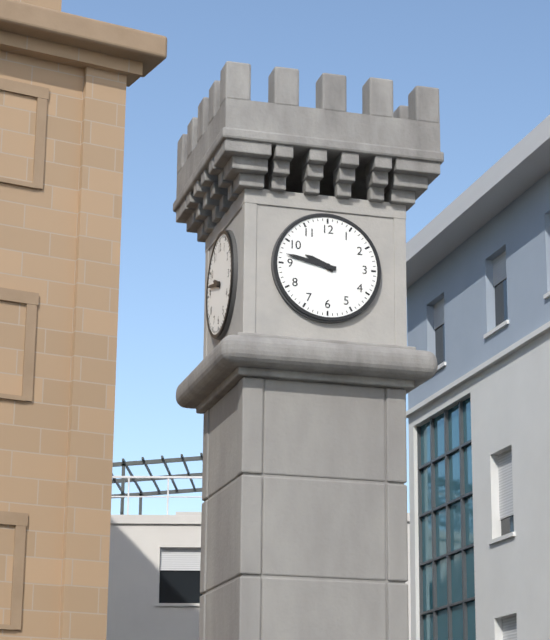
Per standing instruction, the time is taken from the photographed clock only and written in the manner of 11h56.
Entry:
9h47
